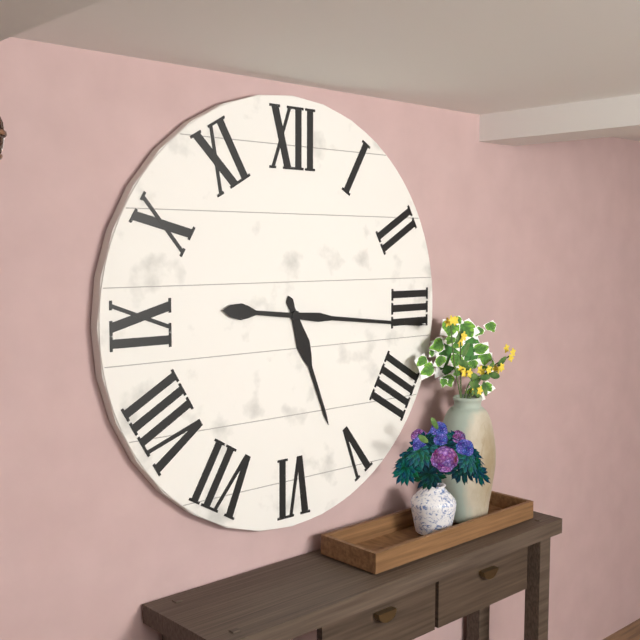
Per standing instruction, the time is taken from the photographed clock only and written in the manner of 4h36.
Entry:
5h16
